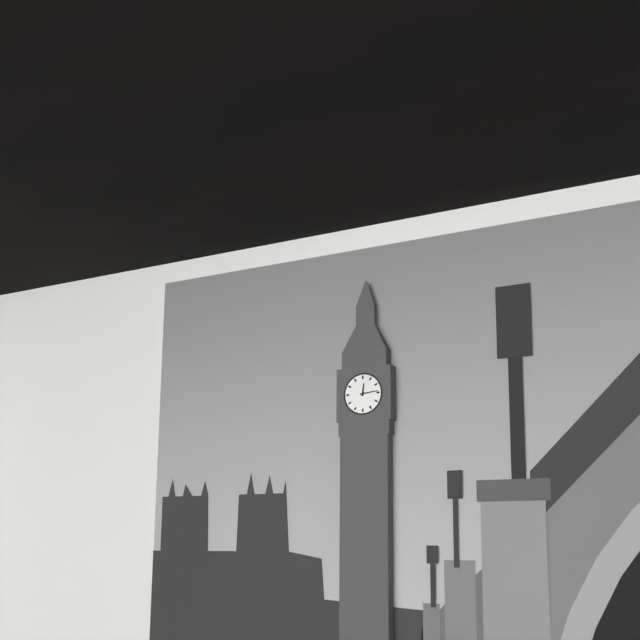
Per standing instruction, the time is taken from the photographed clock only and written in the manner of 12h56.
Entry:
12h14
